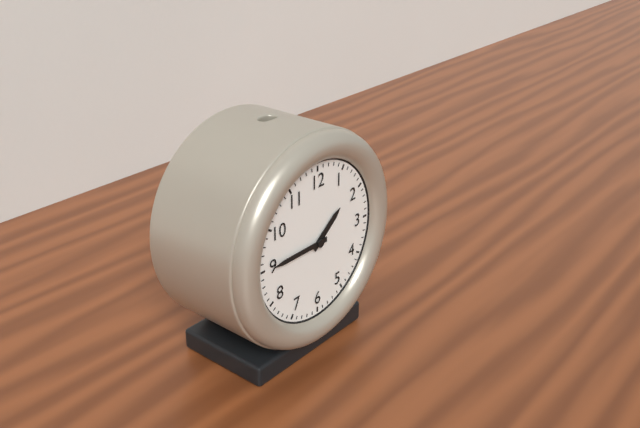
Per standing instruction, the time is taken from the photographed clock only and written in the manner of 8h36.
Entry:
1h45
